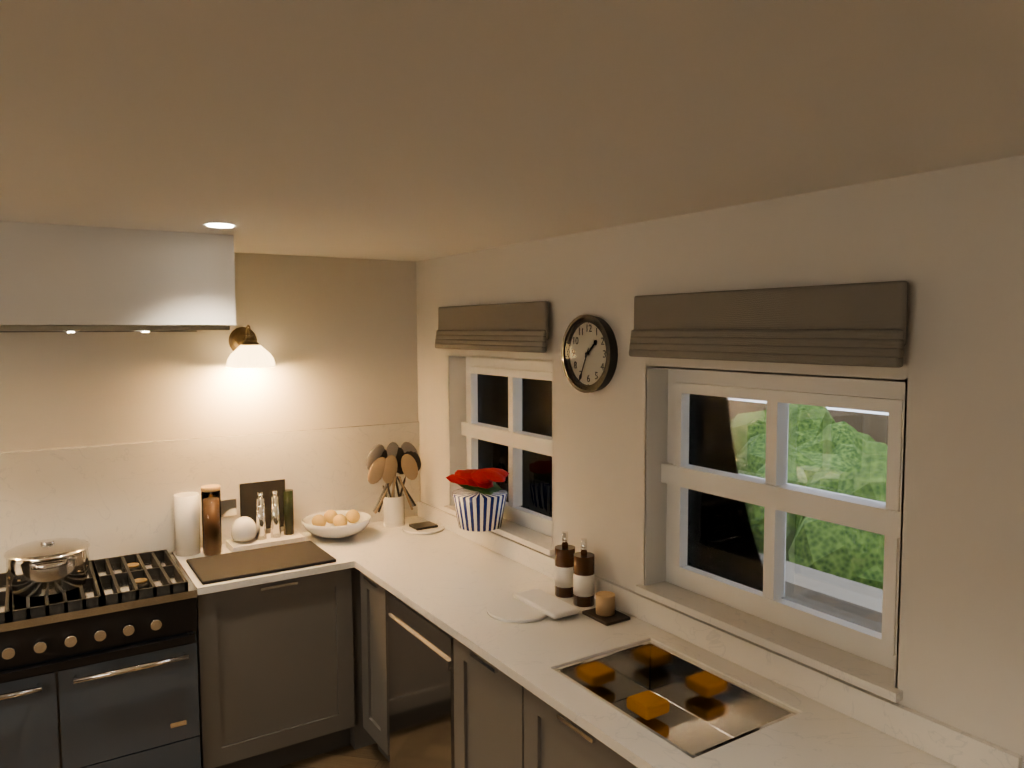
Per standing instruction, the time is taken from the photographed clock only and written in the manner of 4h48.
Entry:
1h34
